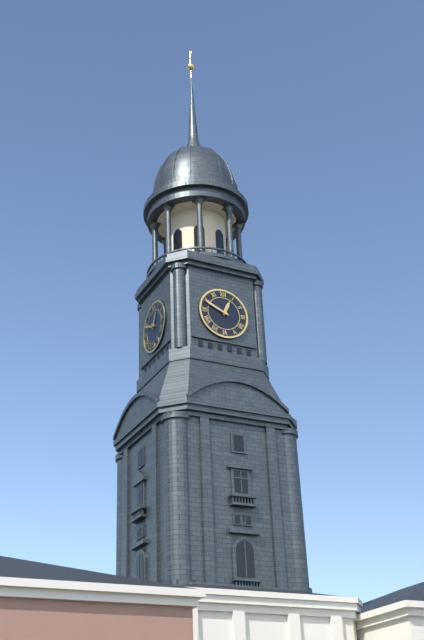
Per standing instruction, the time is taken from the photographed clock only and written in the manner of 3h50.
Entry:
12h49
